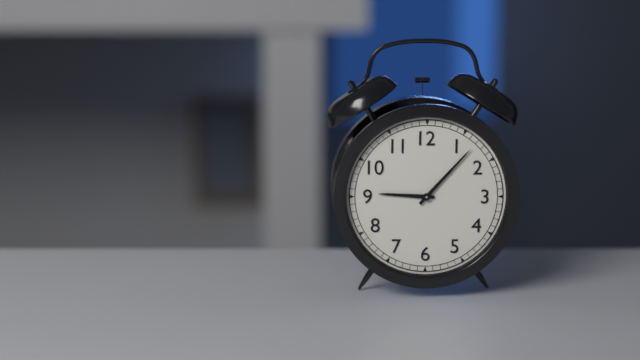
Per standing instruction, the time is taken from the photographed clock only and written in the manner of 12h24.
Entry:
9h07
